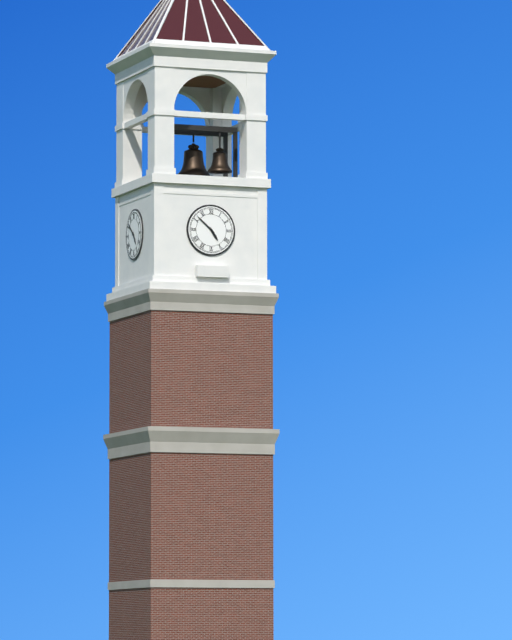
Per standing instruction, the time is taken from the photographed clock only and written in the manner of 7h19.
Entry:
4h52
